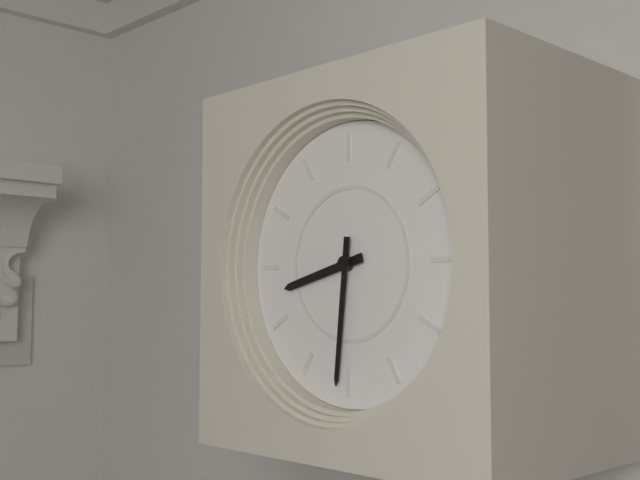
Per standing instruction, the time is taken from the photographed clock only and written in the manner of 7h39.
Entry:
8h31
